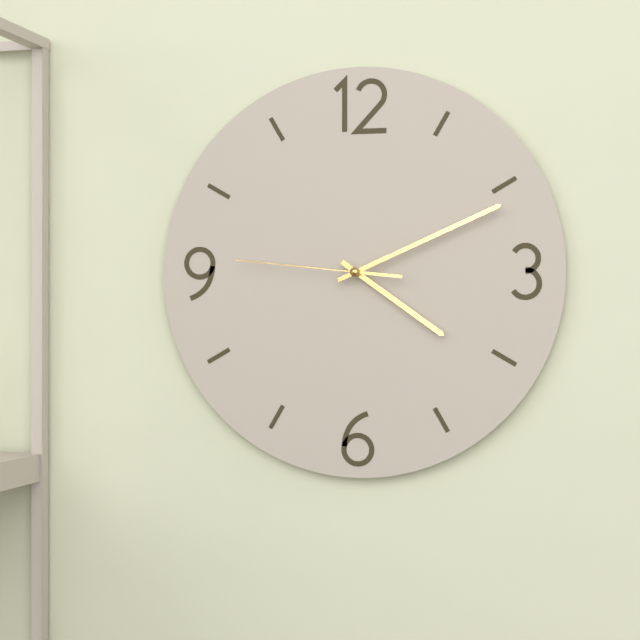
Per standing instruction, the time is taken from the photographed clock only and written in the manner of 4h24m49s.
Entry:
4h11m46s
